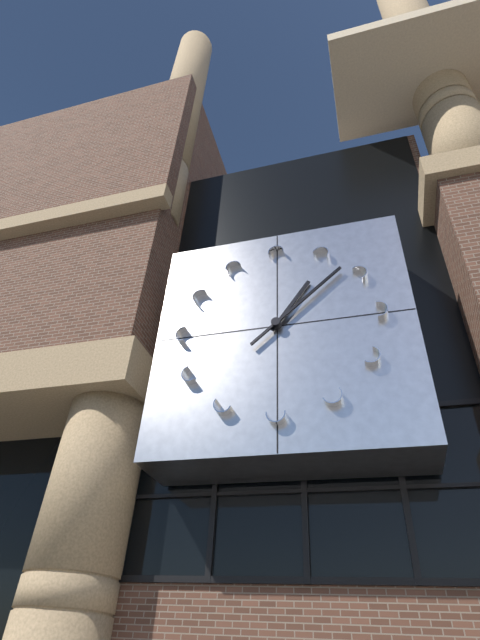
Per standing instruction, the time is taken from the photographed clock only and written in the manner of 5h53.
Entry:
1h08
